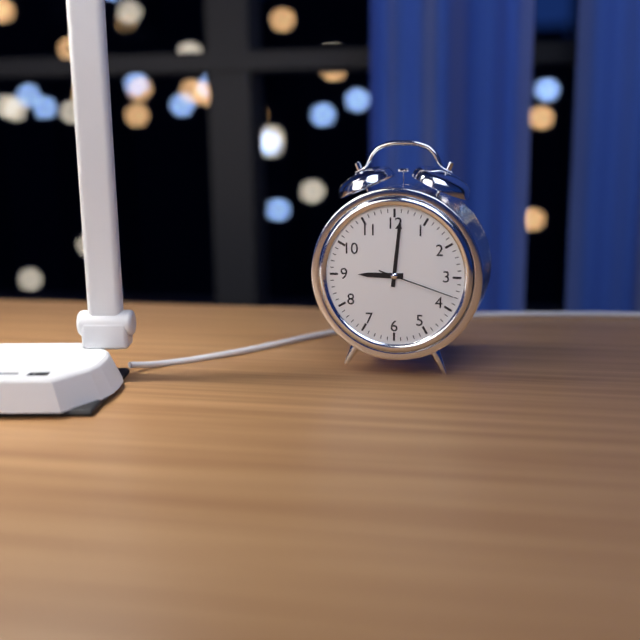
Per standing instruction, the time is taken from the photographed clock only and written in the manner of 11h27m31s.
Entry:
9h01m18s
